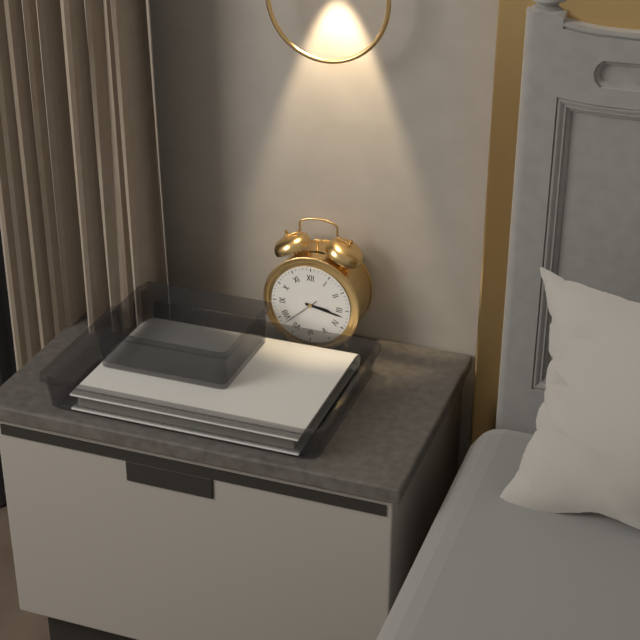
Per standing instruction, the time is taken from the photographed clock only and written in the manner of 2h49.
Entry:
3h17
